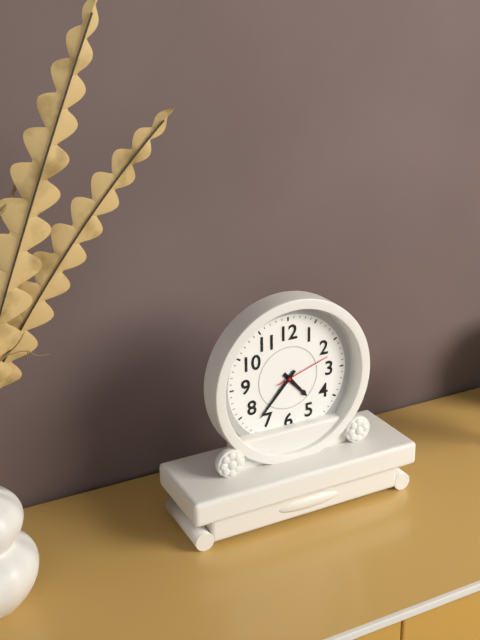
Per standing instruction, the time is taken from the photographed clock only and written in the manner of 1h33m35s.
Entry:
4h37m12s
